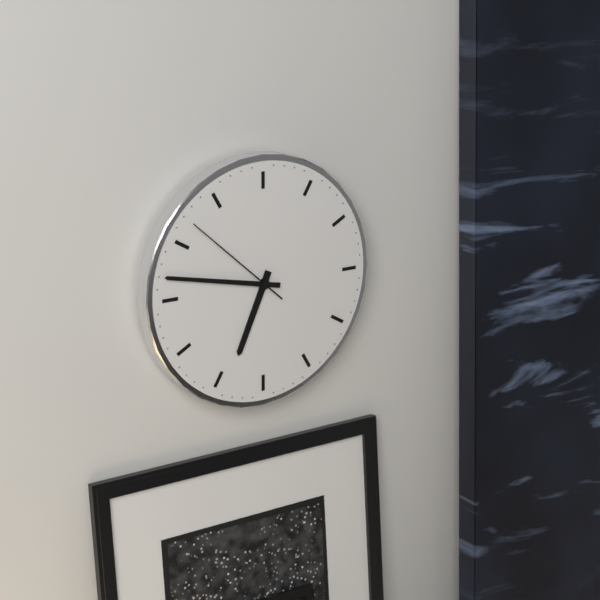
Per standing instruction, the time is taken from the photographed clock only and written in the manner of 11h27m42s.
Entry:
6h47m52s
